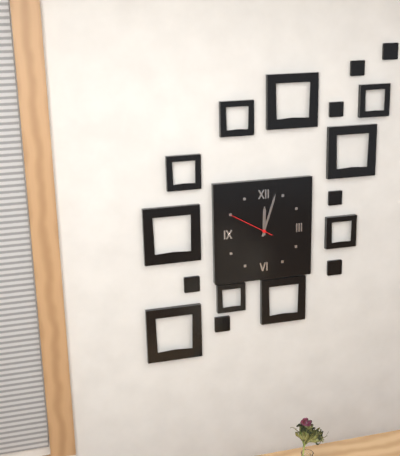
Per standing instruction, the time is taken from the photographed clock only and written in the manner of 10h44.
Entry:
12h03
